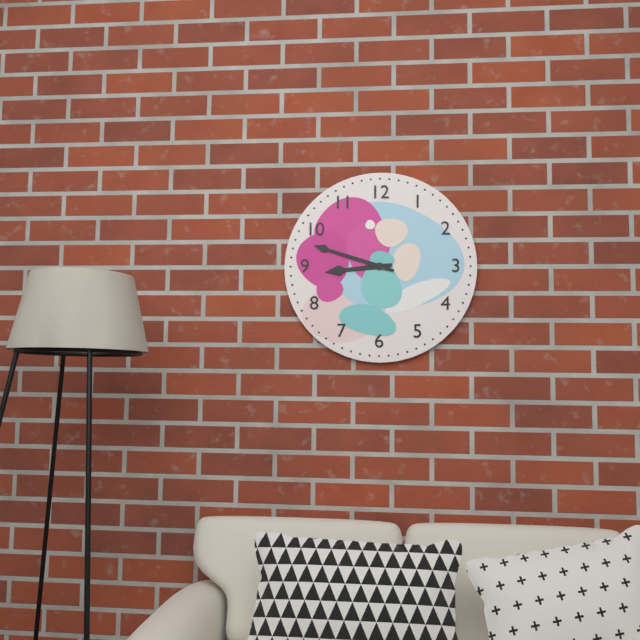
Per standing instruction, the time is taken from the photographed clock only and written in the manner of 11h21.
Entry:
8h48
